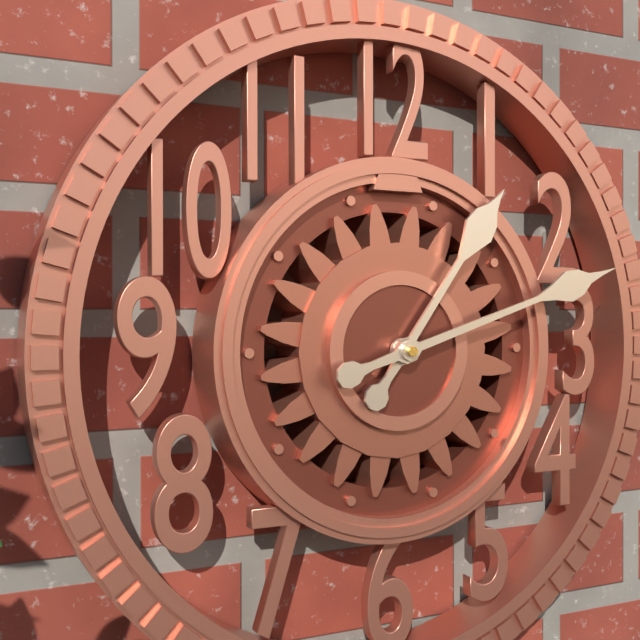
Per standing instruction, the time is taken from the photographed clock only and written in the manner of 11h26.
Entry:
1h12
